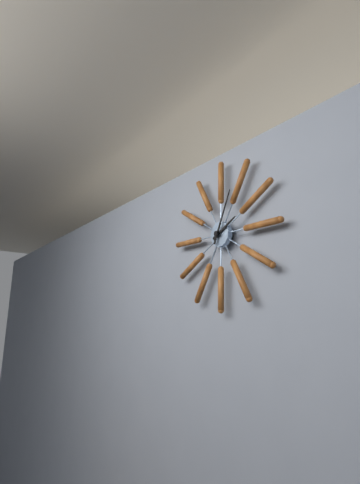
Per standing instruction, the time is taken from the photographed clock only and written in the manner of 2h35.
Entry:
2h04
